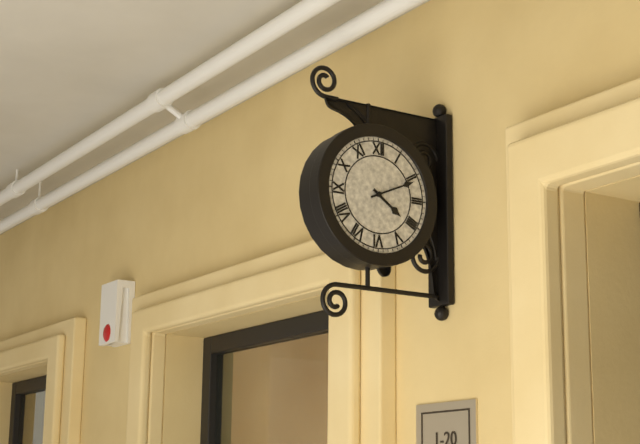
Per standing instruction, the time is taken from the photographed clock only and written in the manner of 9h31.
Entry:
4h11
